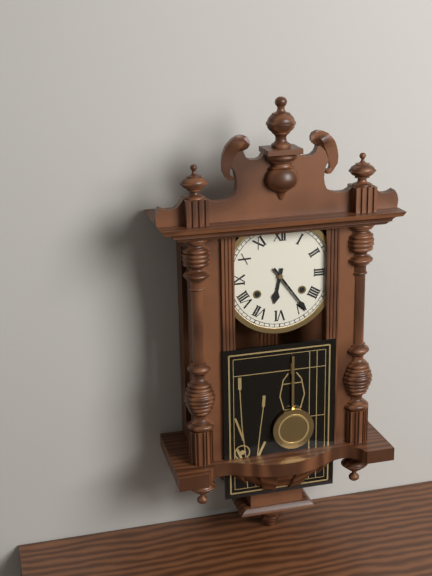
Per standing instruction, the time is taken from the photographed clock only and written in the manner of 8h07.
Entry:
6h24
